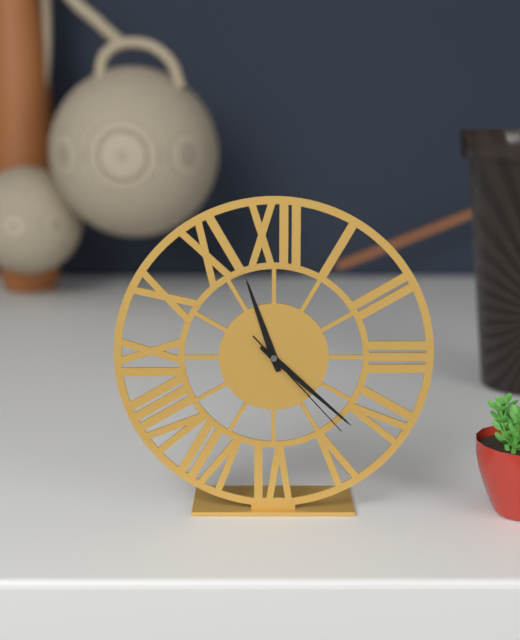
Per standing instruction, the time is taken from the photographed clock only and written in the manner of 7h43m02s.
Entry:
11h22m23s
